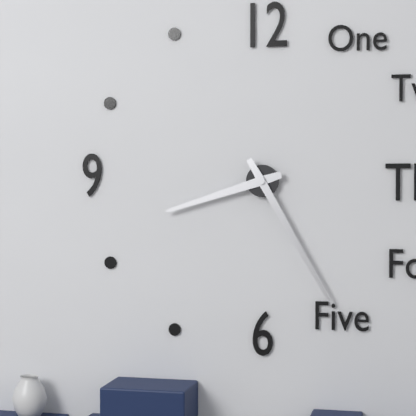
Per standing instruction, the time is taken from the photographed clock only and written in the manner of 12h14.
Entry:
8h25
